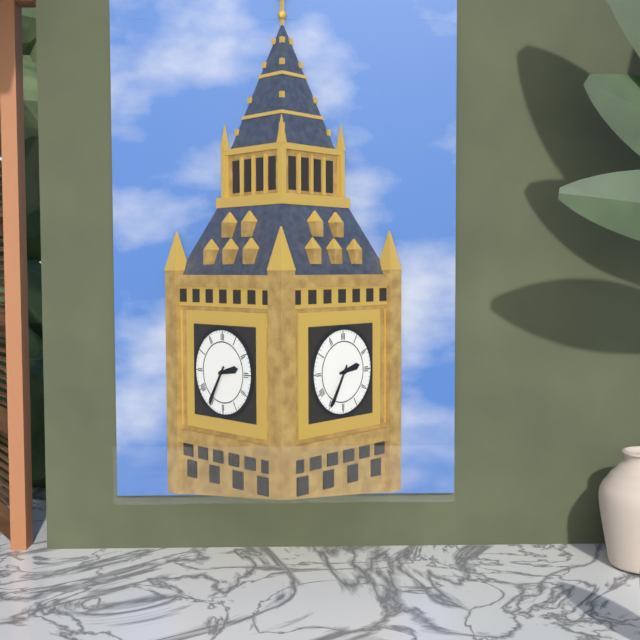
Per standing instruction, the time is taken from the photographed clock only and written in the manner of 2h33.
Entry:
2h35
